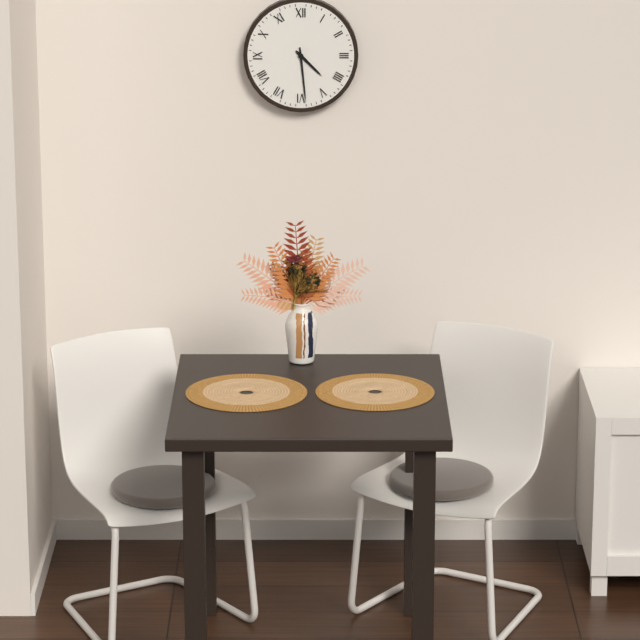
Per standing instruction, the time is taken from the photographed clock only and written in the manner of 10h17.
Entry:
4h29
